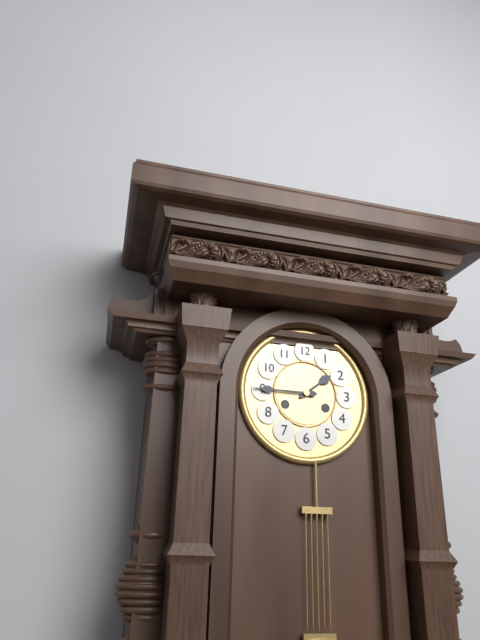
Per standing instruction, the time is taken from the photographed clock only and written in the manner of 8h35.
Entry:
1h45
